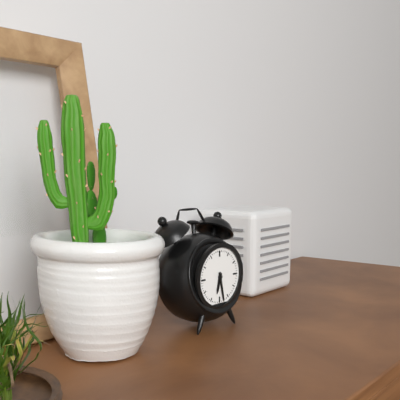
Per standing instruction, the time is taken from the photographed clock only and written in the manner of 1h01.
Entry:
6h28
